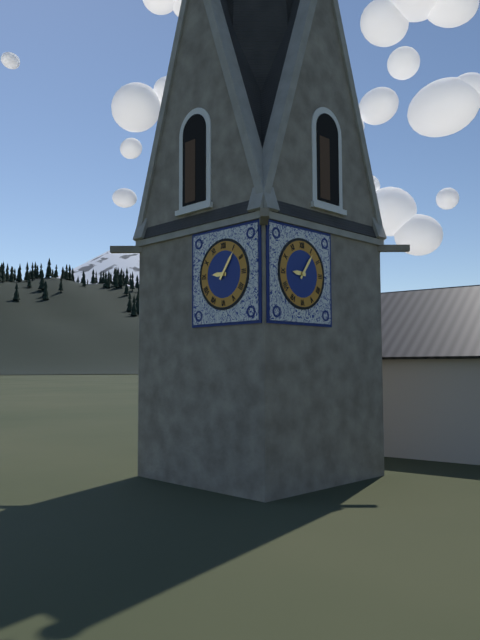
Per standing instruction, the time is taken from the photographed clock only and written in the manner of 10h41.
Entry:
9h06
